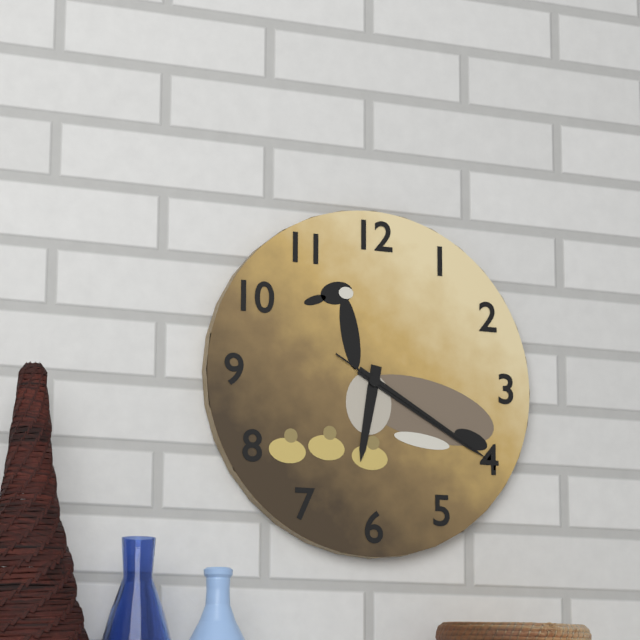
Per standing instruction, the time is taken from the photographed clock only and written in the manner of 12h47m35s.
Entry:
6h20m20s
